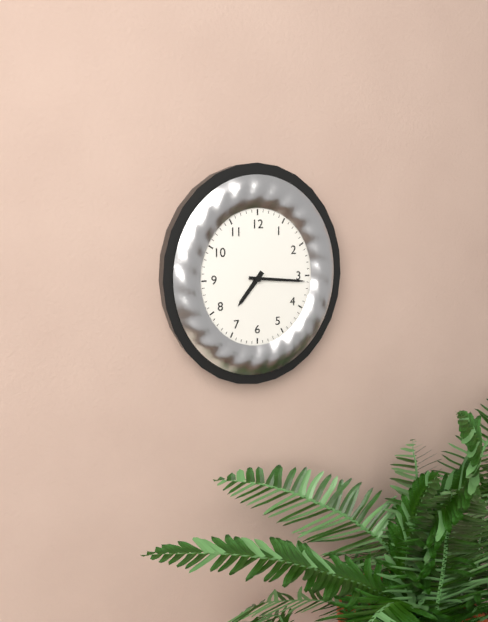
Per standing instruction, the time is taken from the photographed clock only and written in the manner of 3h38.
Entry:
7h16
